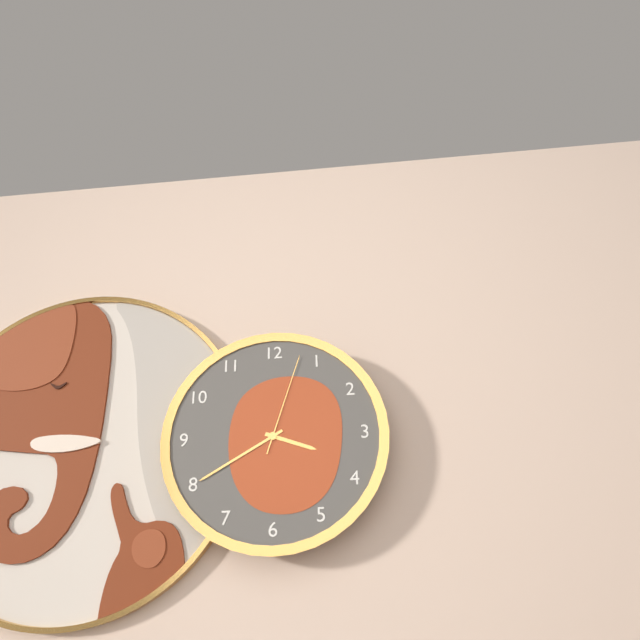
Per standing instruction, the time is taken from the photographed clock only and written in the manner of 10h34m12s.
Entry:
3h40m03s
